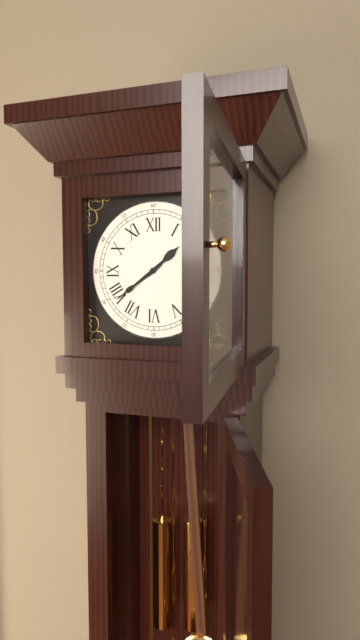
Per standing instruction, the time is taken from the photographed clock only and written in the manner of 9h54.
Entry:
1h39
